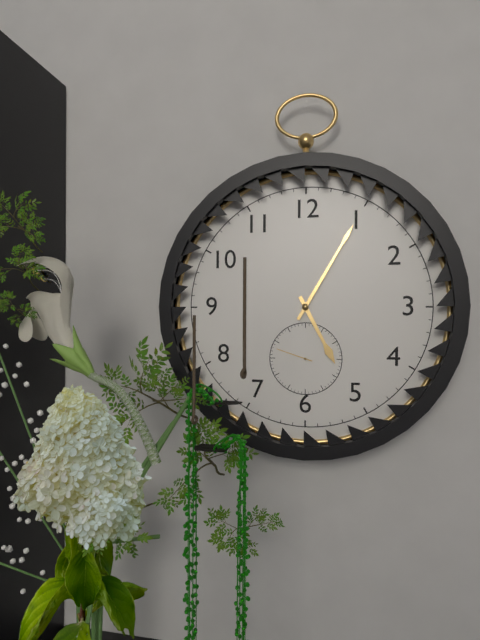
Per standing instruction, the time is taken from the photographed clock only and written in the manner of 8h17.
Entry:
5h05
